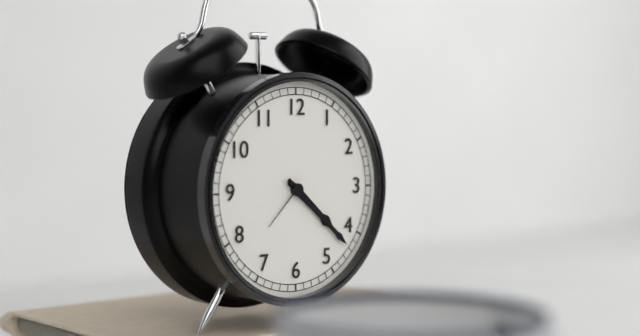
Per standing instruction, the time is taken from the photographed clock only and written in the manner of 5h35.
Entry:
4h22
